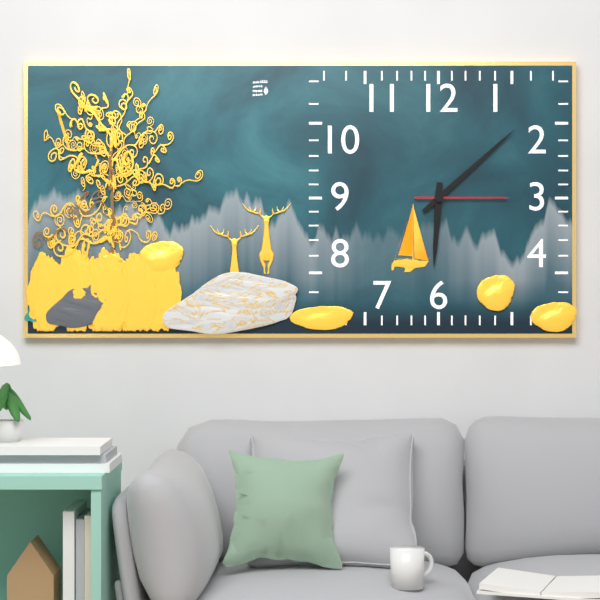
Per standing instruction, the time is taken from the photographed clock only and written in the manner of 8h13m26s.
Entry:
6h08m15s
